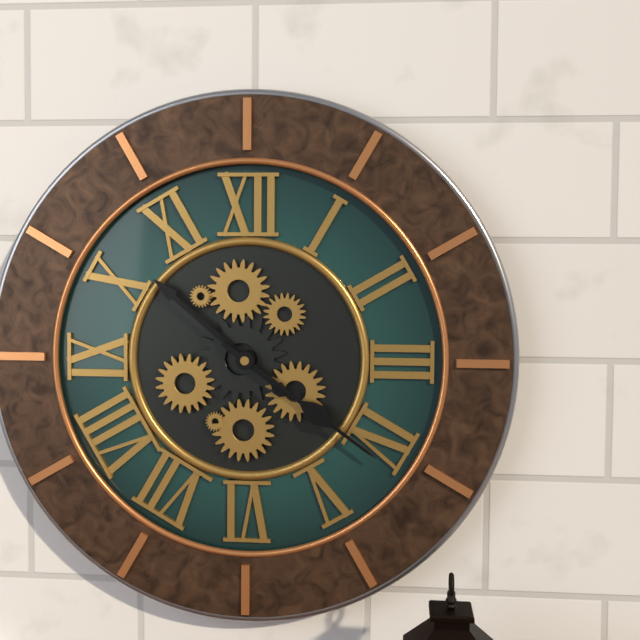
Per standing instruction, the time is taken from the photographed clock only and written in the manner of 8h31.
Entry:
10h21
